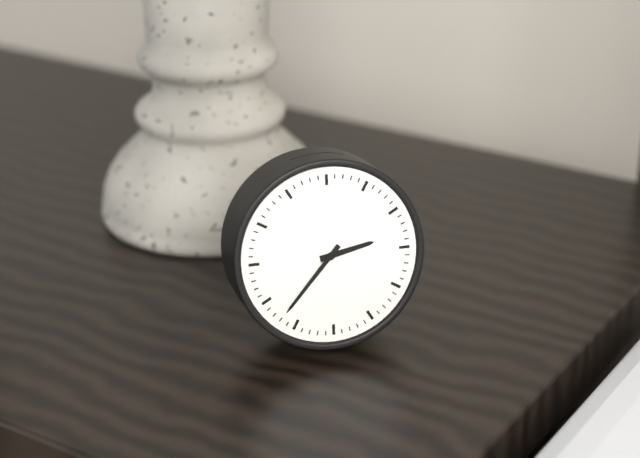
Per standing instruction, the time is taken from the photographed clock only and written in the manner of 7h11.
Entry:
2h37
